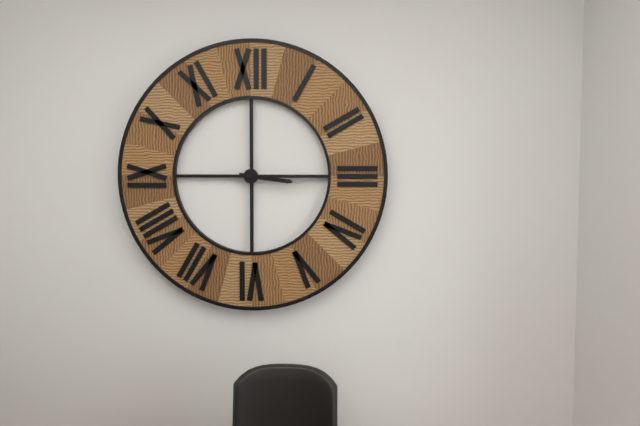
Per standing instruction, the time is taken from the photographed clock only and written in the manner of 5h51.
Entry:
3h15
